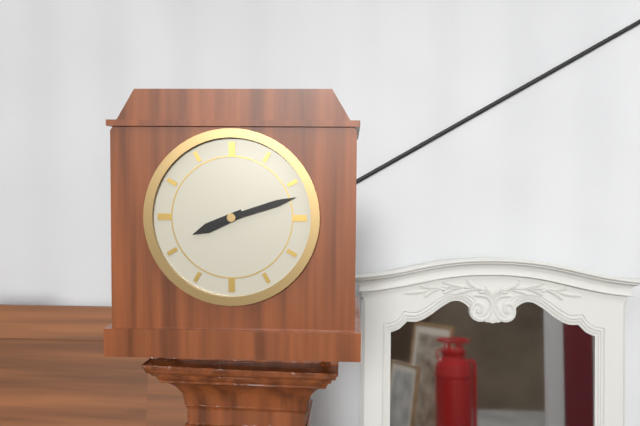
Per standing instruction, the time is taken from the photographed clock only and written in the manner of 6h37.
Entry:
8h12
